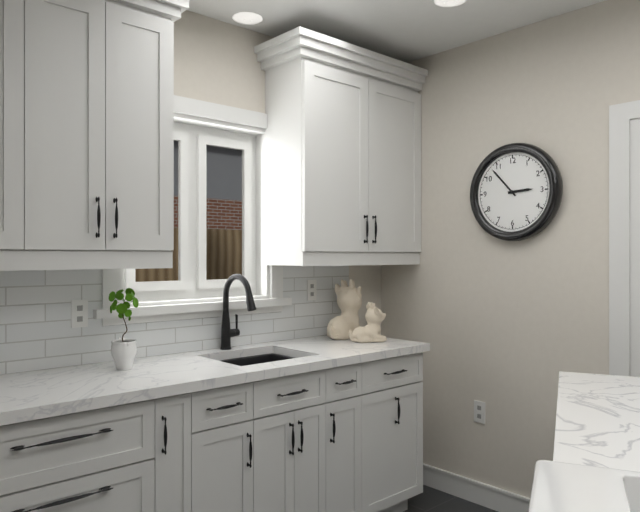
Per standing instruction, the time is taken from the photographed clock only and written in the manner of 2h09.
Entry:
2h53
